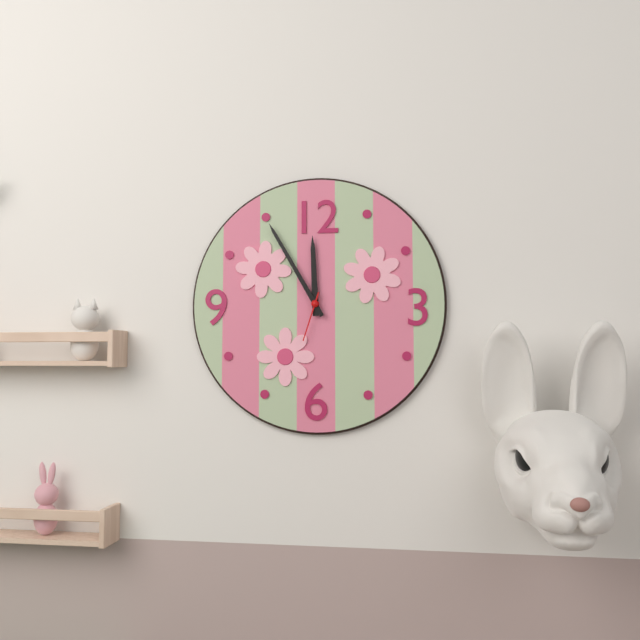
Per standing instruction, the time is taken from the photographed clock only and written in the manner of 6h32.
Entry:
11h55
